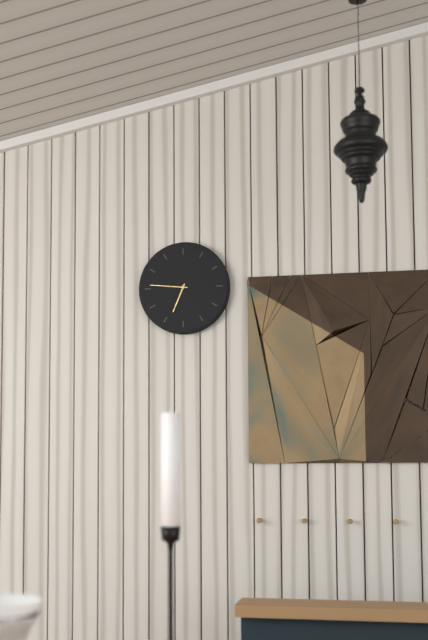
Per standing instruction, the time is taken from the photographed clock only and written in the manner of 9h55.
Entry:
6h46
